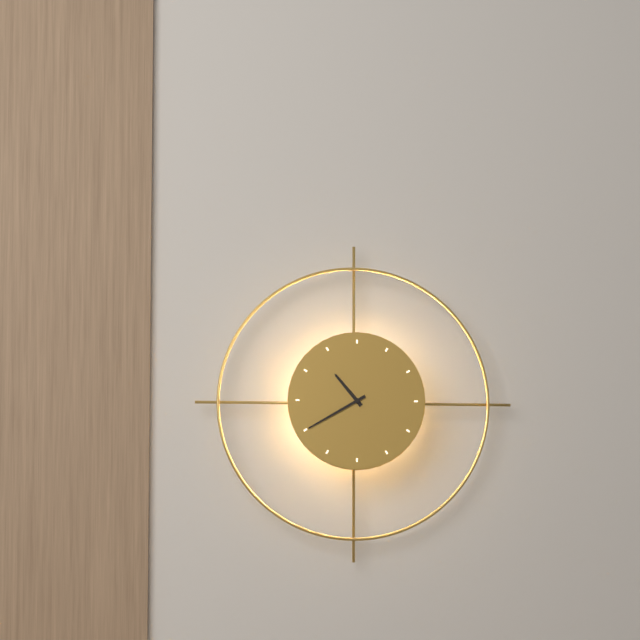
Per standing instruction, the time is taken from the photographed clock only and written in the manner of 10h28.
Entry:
10h40
